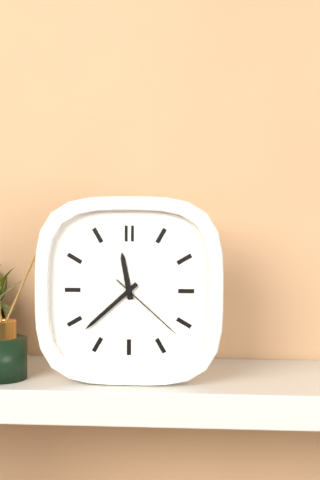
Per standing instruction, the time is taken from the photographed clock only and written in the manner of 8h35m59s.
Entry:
11h38m22s
